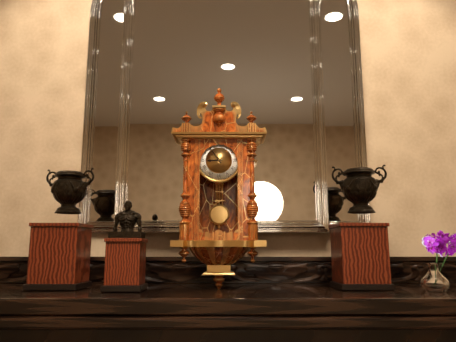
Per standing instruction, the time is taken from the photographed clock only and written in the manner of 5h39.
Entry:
8h54
